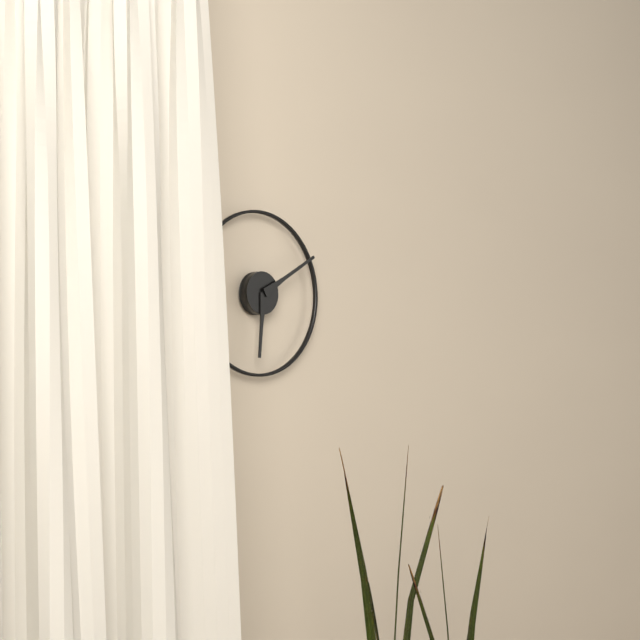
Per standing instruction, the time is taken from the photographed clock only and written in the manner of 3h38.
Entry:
6h10
